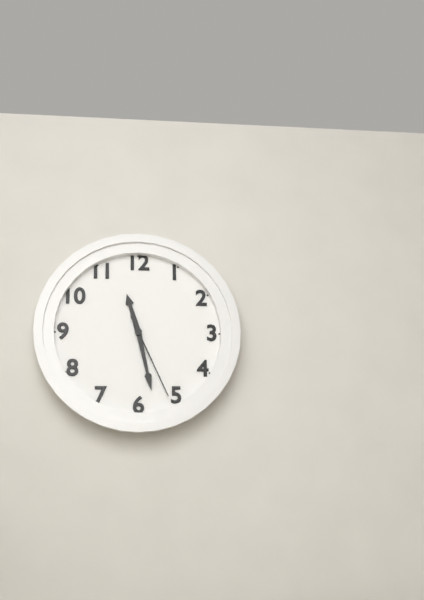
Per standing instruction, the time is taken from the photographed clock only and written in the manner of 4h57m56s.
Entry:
11h28m26s
